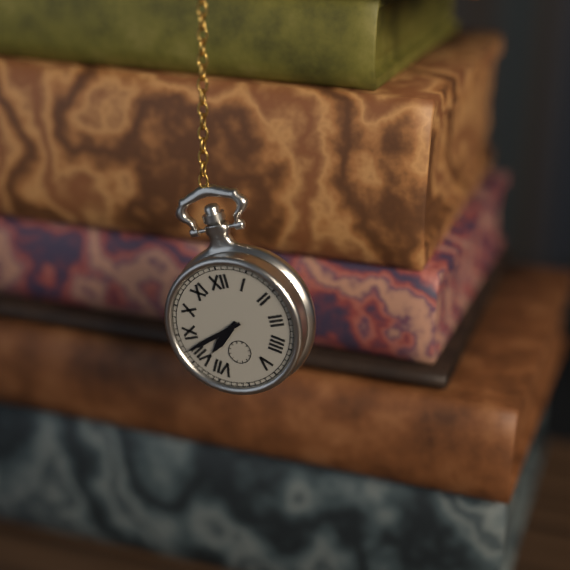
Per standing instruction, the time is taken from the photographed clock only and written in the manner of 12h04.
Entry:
7h42
